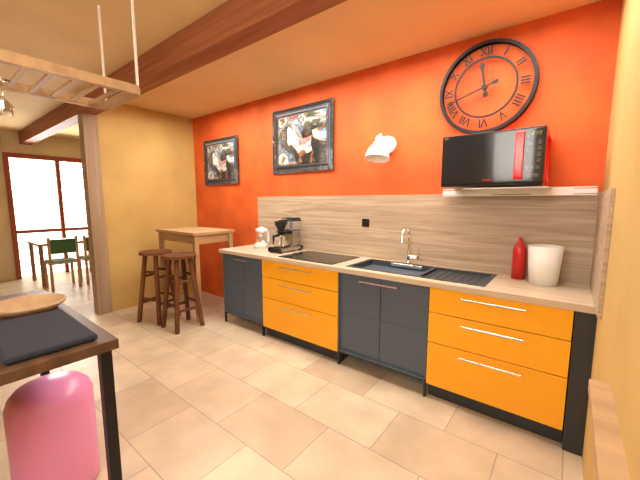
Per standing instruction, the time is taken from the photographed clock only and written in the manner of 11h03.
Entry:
11h42
